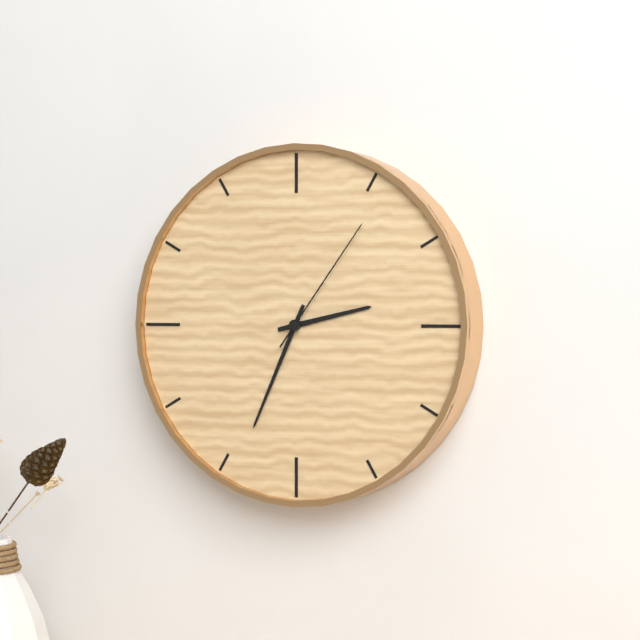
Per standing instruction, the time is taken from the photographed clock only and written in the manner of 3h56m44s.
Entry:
2h34m06s
